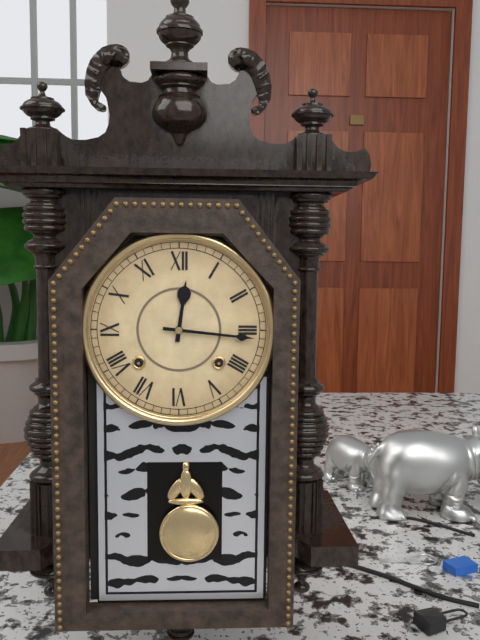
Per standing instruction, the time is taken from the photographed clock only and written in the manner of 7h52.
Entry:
12h16
